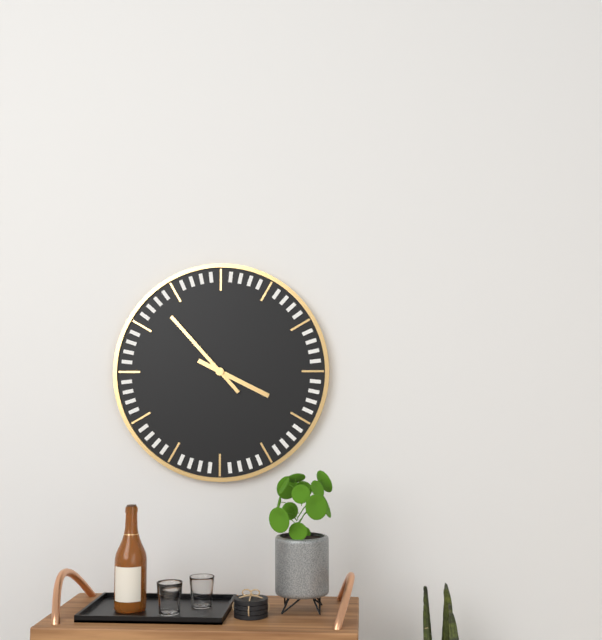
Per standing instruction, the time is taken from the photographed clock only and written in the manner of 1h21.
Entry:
3h53
